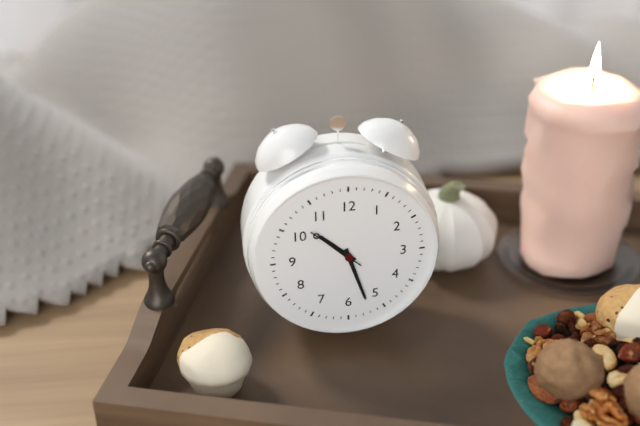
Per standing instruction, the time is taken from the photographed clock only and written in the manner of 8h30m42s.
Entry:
10h27m52s
